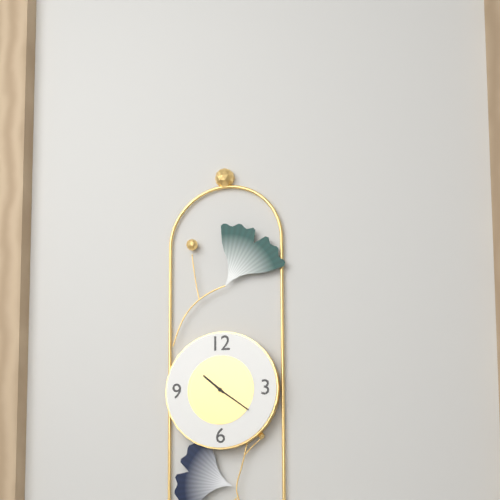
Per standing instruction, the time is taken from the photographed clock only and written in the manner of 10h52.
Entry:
10h21
